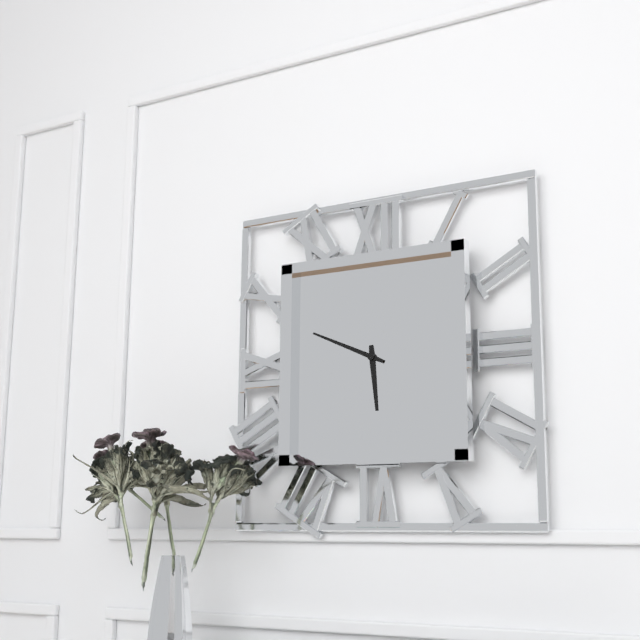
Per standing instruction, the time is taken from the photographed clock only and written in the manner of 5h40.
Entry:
5h49
